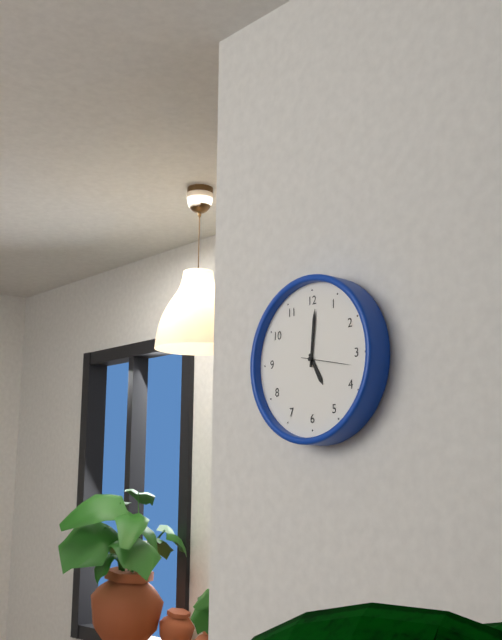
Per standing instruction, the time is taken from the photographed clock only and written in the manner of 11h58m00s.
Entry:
5h01m17s
